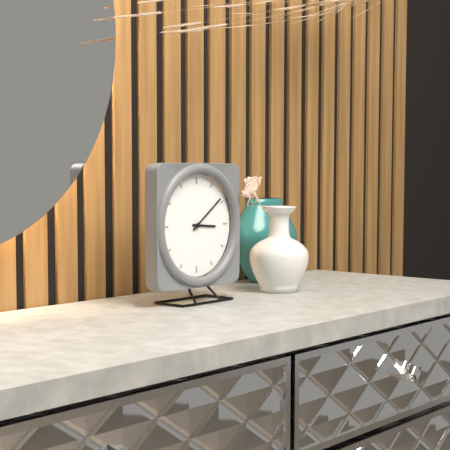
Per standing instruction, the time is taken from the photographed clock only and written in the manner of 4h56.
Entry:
3h09
